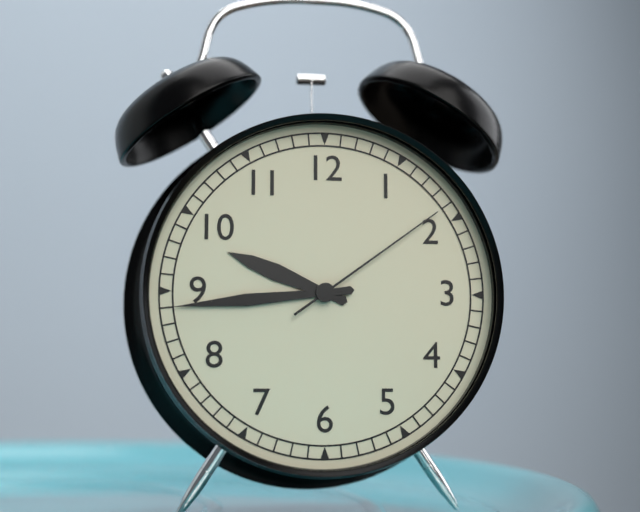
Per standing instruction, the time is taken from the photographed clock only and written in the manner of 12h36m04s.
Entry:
9h44m09s
